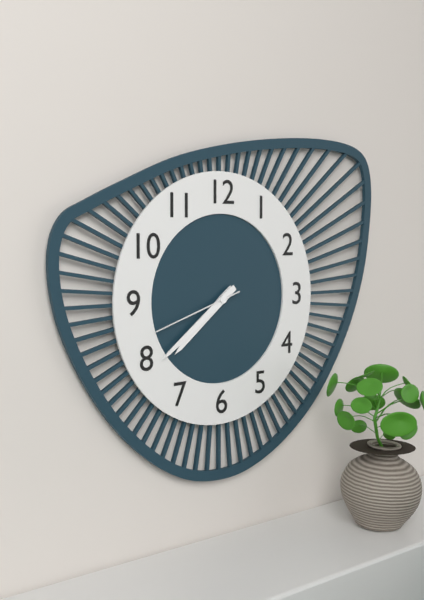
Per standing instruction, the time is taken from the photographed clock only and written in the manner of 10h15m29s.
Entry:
7h39m42s
